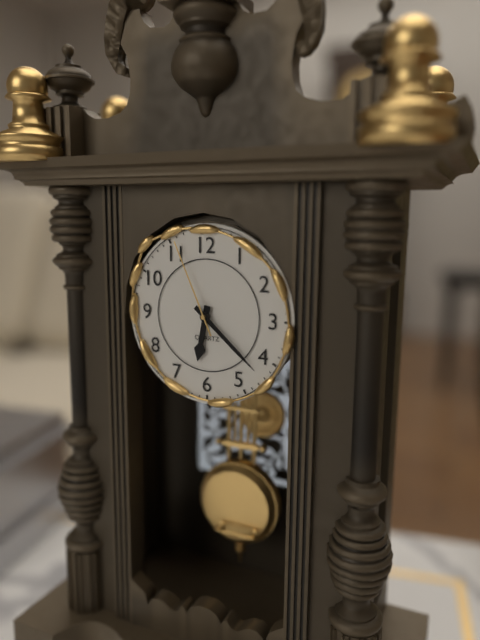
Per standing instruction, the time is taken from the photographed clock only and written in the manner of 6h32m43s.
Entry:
6h22m56s
